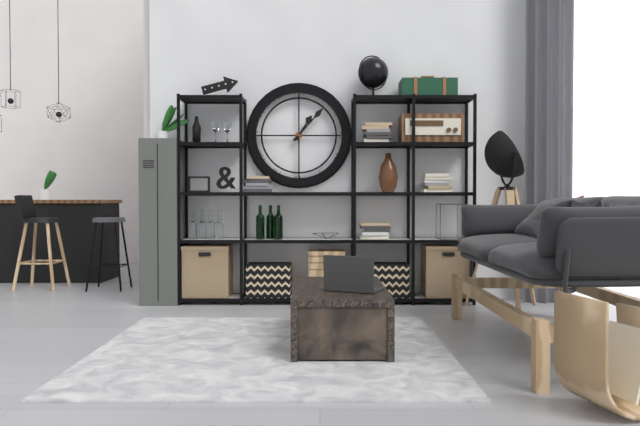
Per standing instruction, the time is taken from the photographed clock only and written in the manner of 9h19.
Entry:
1h07
